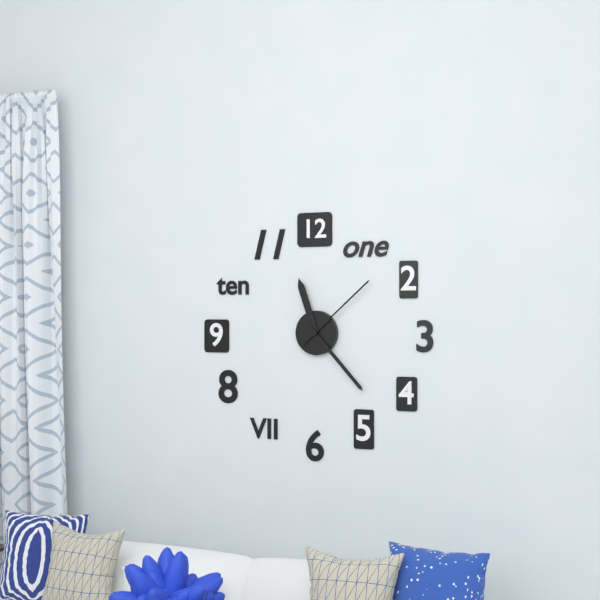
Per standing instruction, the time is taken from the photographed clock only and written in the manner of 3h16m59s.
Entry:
11h23m08s
